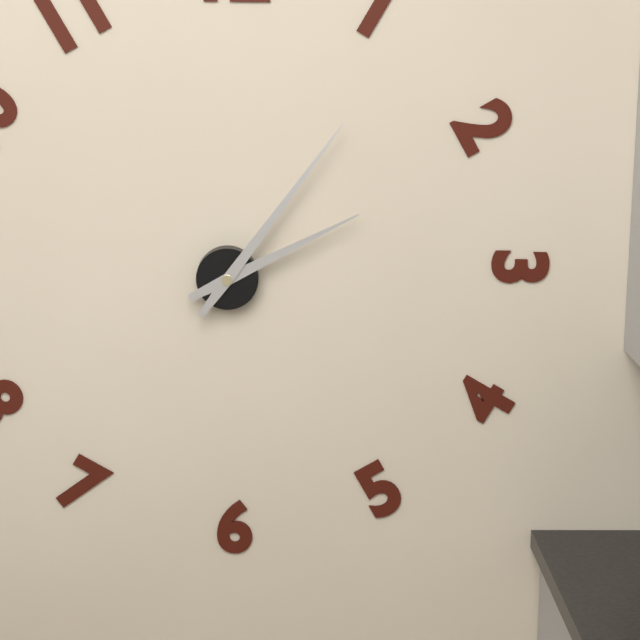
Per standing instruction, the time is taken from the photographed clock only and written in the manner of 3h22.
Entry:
2h06
